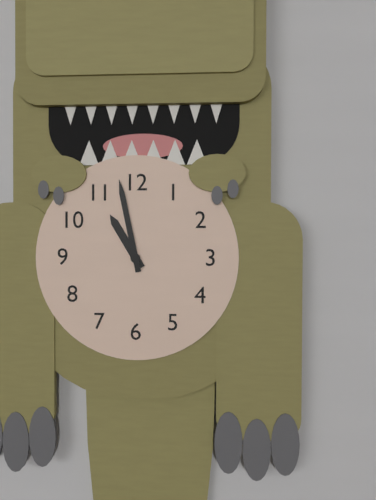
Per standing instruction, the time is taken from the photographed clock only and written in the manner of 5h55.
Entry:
10h58
